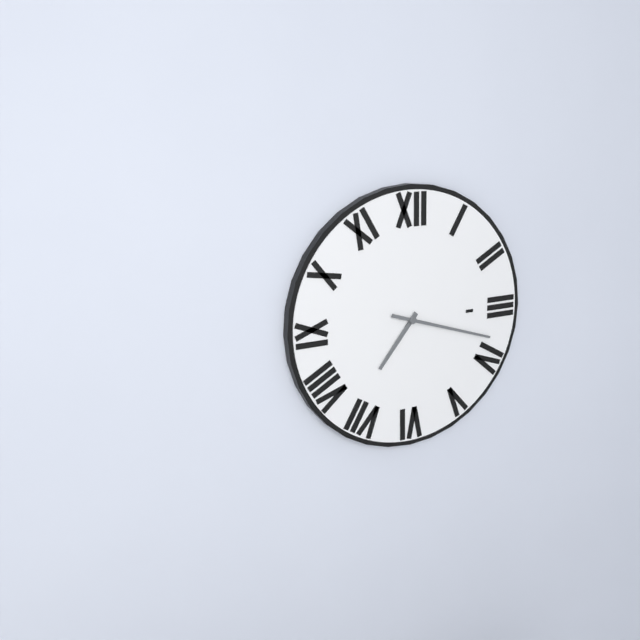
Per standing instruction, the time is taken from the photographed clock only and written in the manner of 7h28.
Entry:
7h18
